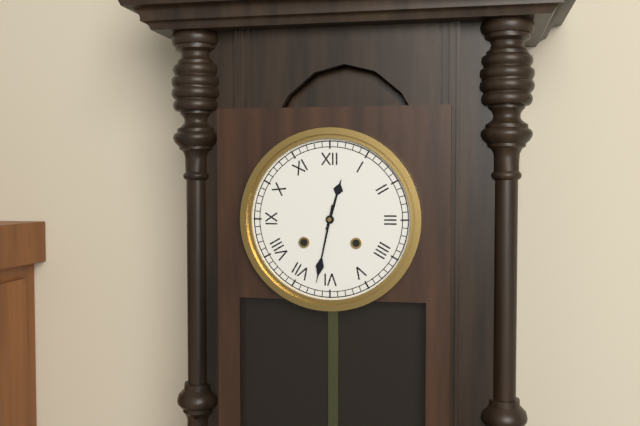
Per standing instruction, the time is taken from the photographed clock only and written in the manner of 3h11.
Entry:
12h32
